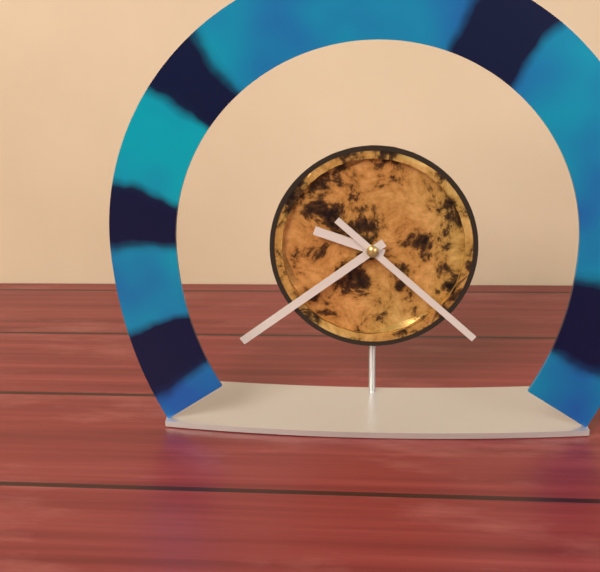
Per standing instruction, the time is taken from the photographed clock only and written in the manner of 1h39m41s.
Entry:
9h39m22s
